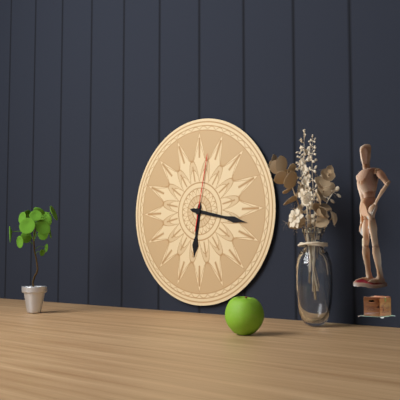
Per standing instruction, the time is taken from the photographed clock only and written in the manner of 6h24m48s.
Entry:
6h17m02s
